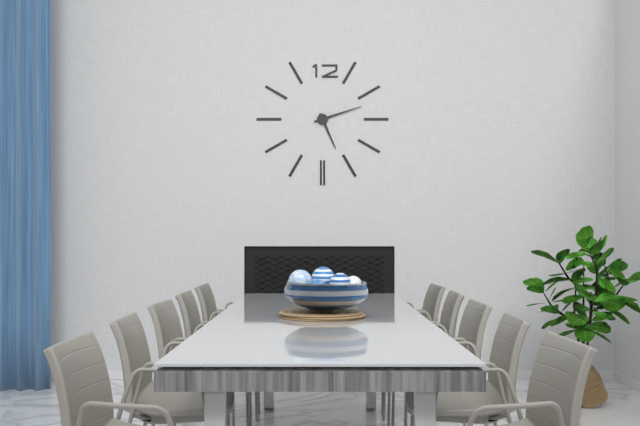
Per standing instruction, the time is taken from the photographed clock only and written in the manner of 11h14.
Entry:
5h12
